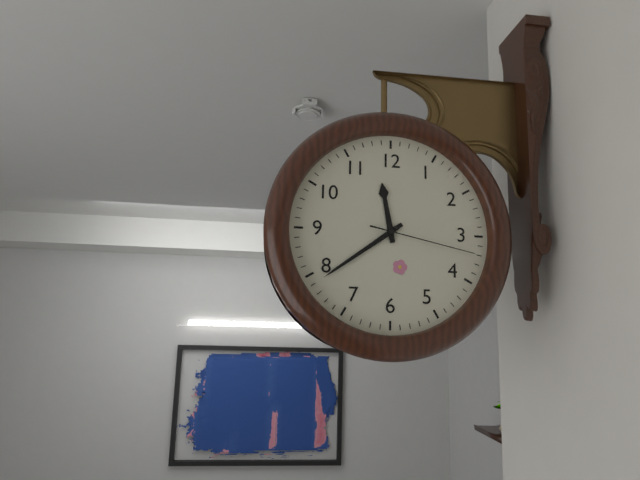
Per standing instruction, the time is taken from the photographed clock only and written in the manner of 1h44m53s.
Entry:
11h39m17s
